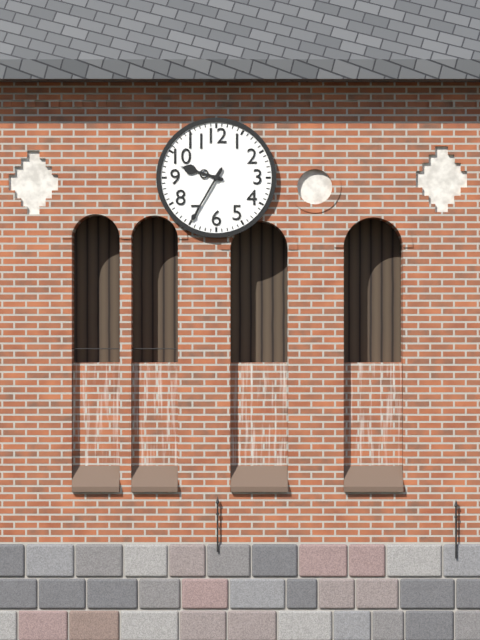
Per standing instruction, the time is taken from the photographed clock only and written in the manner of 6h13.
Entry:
9h35
